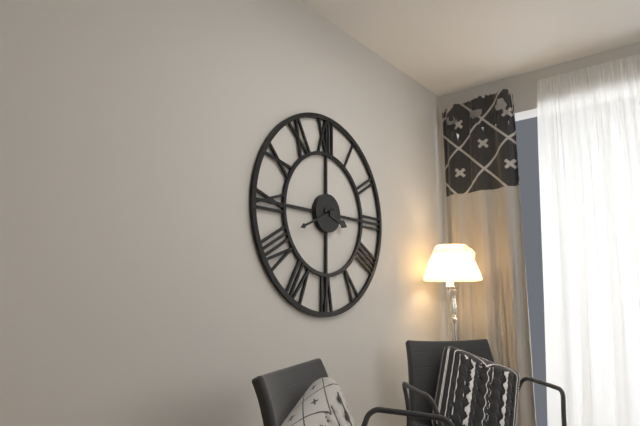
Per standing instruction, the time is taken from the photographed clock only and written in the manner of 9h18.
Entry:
3h41
